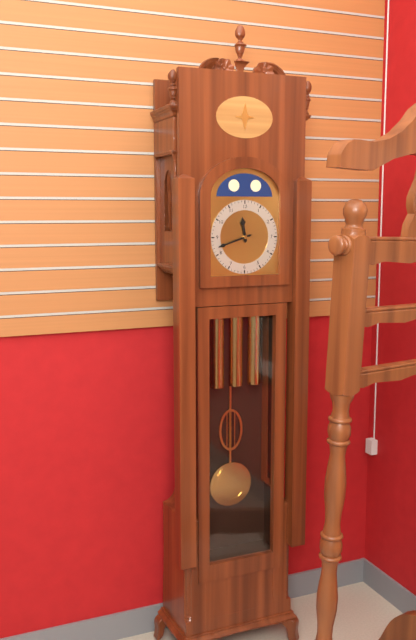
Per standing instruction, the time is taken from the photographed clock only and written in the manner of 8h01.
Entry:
11h42
